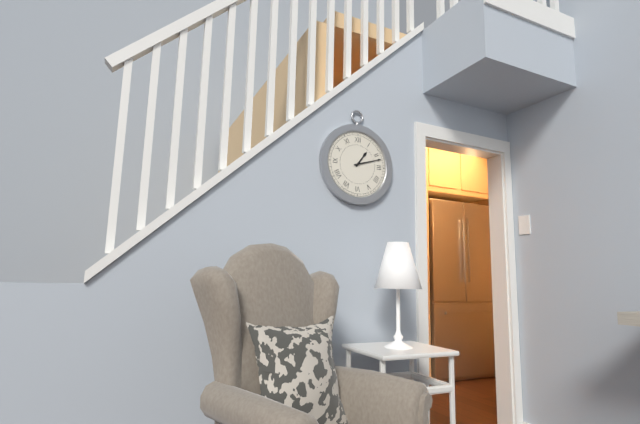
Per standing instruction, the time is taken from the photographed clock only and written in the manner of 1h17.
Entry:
1h12
